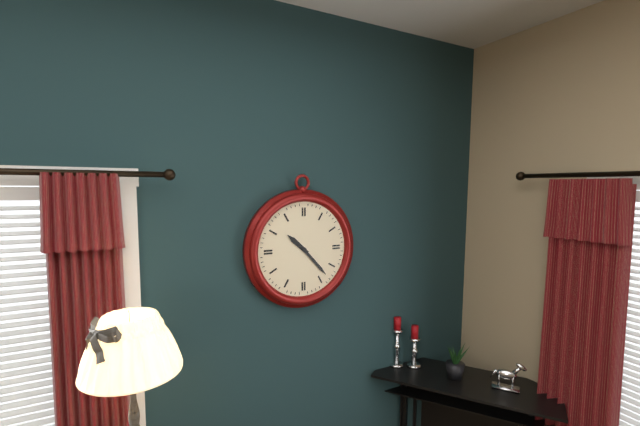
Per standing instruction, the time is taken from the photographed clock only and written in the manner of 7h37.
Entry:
10h23
